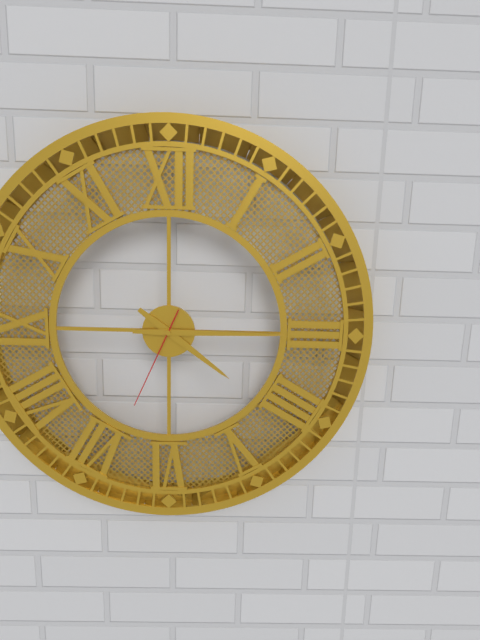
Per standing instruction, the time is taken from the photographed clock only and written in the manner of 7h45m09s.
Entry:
4h15m34s
